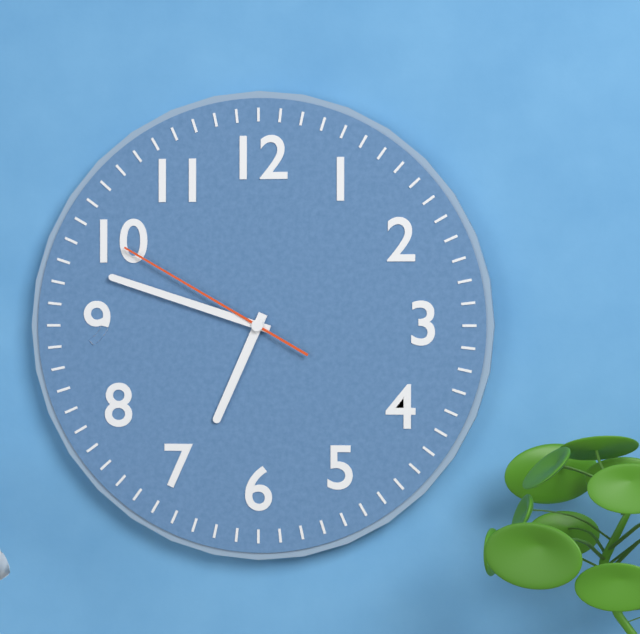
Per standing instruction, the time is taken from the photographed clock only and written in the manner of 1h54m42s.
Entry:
6h48m50s
